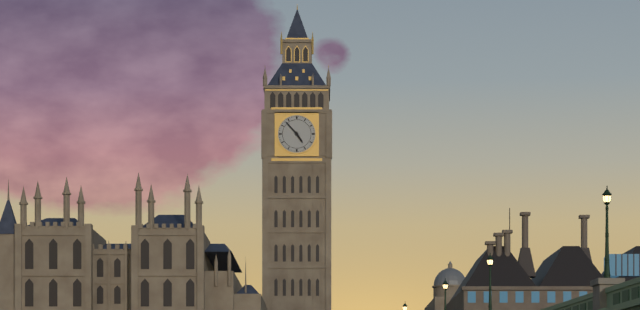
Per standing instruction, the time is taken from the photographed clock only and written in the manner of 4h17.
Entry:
4h53
